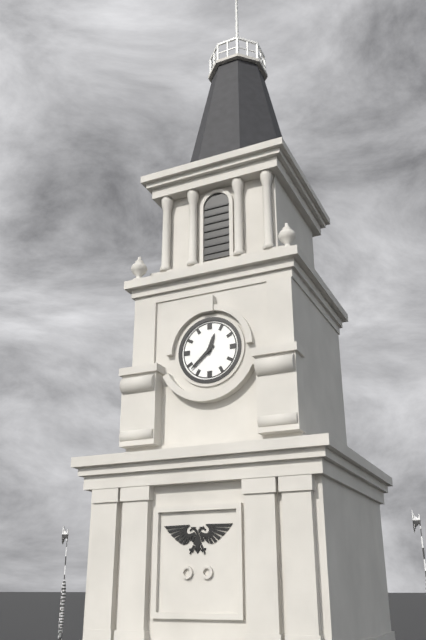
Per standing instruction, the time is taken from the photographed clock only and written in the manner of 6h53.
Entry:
12h38
